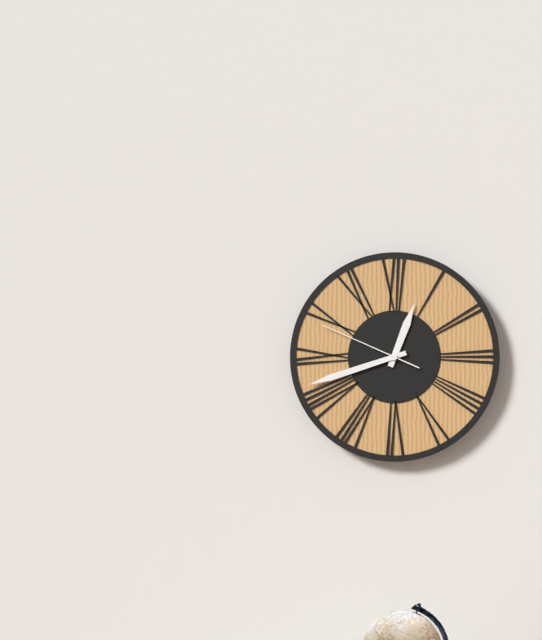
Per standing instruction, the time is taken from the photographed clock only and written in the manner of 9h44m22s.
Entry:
12h42m49s
